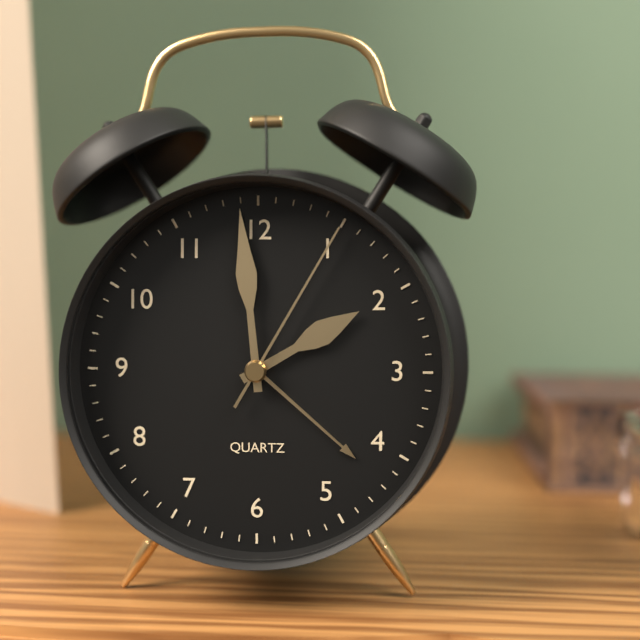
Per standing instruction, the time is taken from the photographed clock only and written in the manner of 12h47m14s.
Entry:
1h59m05s
